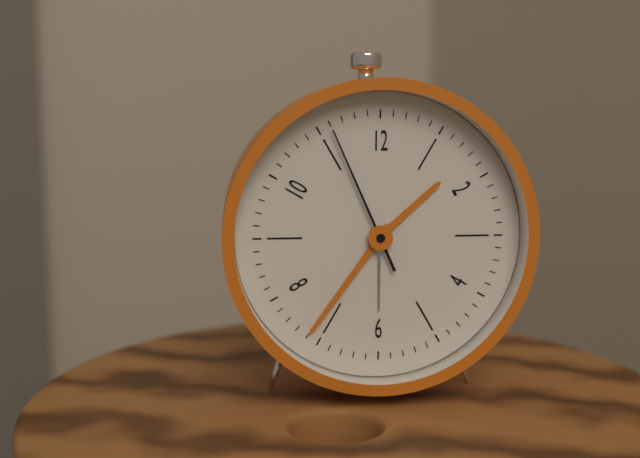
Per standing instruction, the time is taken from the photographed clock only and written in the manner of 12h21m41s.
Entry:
1h36m56s
